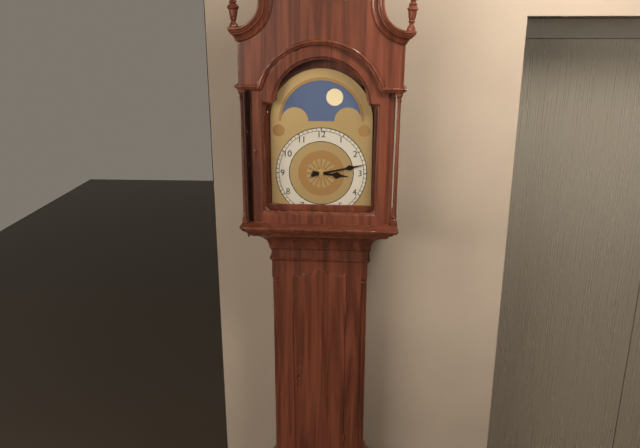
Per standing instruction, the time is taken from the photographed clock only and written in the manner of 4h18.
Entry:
3h13
